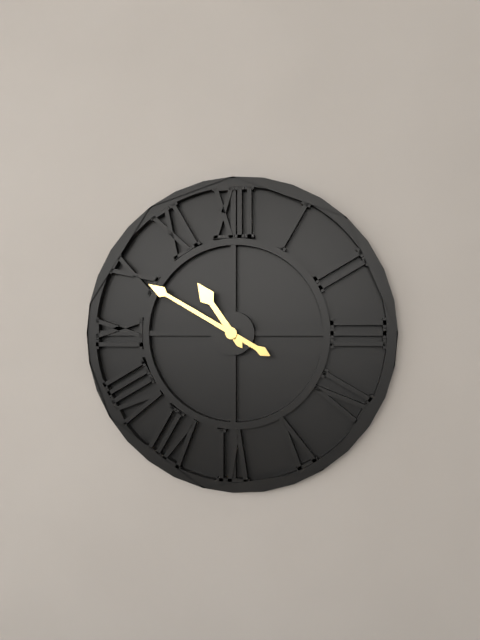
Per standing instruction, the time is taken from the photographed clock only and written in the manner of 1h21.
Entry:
10h50
